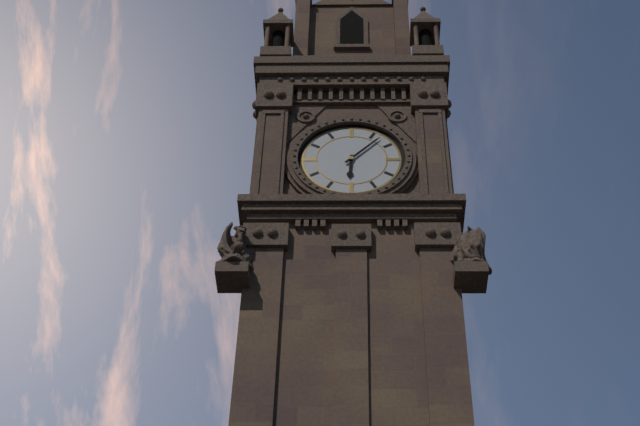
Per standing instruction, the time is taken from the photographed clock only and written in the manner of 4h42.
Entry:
6h07
